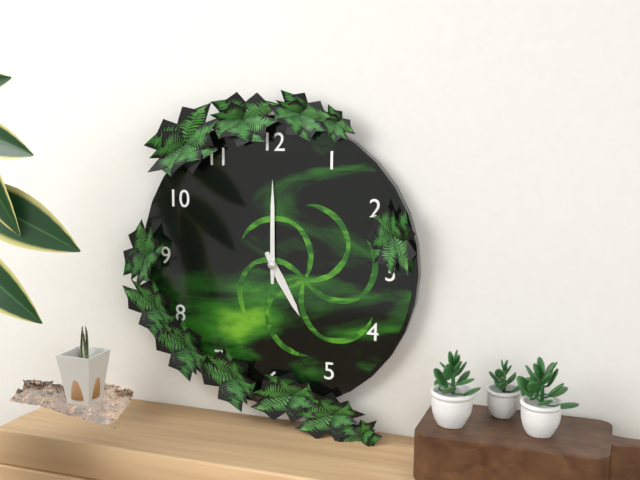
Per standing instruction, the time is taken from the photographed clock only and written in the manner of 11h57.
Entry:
5h00
